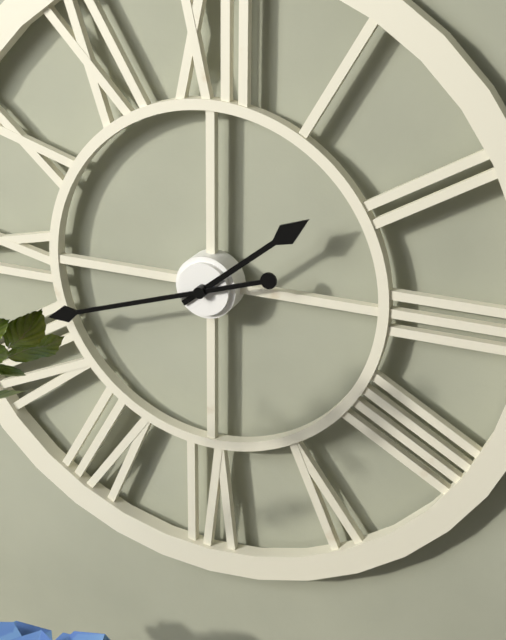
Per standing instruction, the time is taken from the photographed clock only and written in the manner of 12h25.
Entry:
1h42
